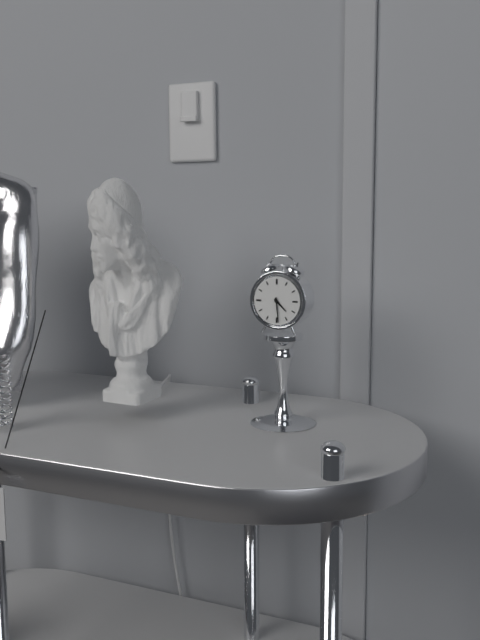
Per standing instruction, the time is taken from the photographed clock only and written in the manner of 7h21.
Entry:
4h29
